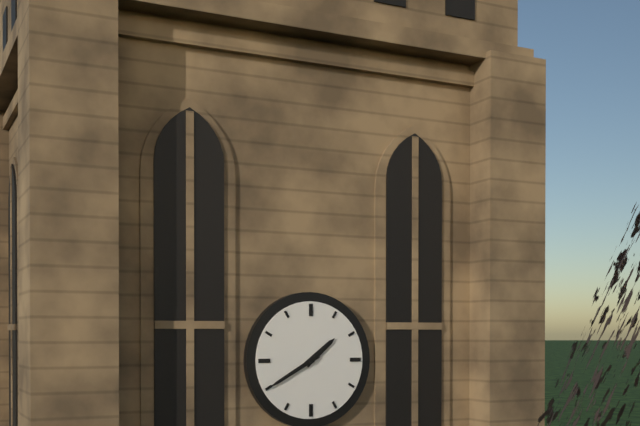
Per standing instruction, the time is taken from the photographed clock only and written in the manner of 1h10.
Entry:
1h40
